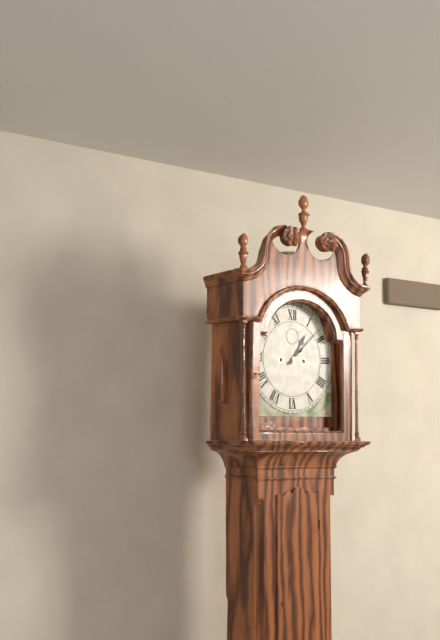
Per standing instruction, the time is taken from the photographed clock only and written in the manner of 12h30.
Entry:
1h08
